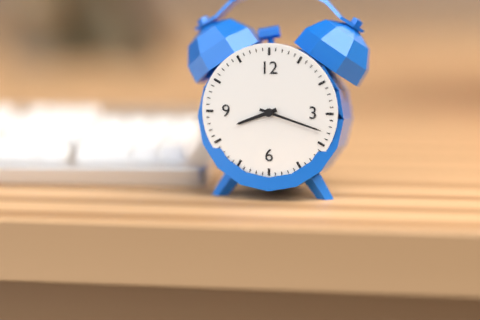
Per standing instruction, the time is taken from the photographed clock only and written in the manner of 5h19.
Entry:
8h18
